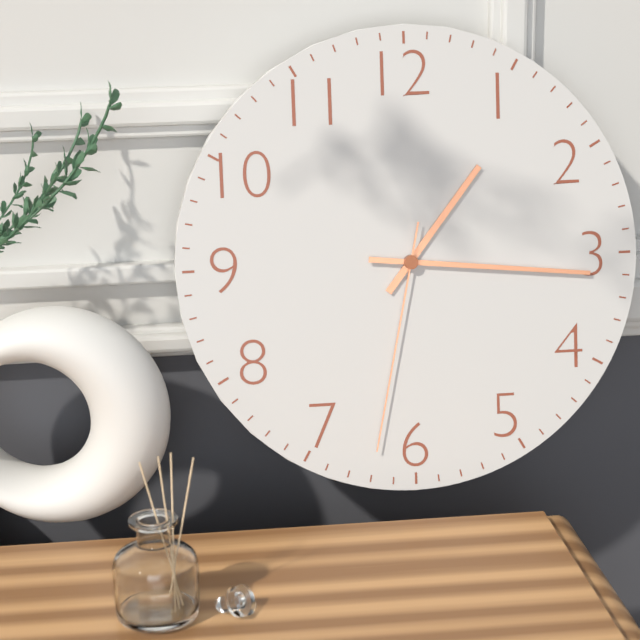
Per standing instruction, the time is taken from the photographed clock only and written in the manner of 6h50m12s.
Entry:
1h16m32s
